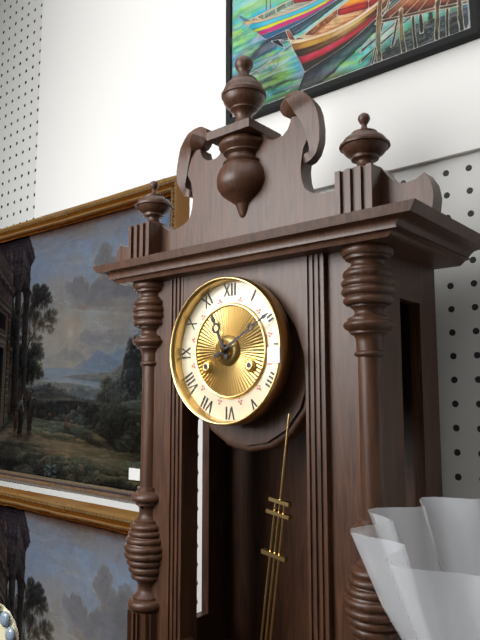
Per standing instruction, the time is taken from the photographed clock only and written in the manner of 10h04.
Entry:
11h10
